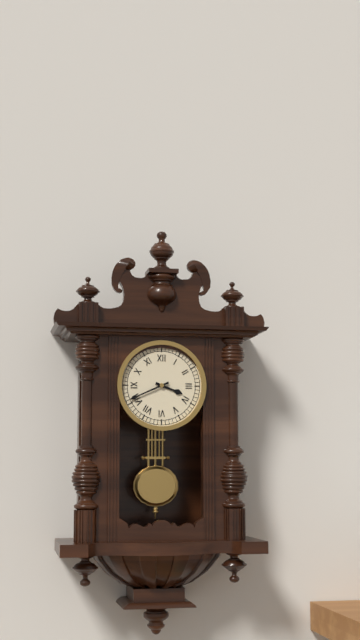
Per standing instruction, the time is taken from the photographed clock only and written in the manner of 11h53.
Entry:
3h41
